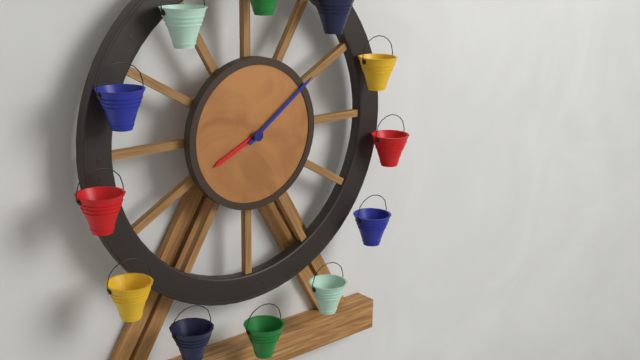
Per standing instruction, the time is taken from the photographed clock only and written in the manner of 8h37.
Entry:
8h09
